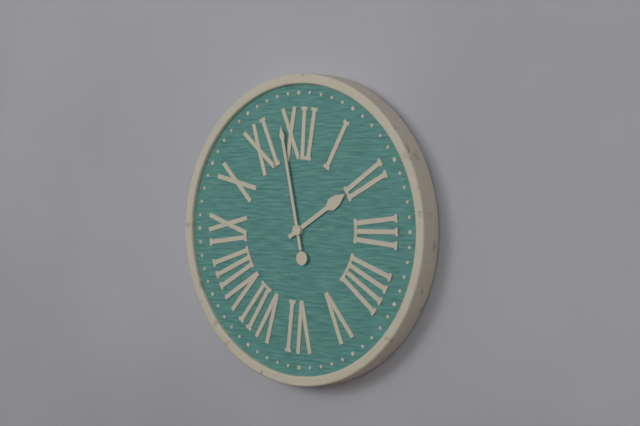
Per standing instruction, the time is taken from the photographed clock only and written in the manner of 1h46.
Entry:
1h58
